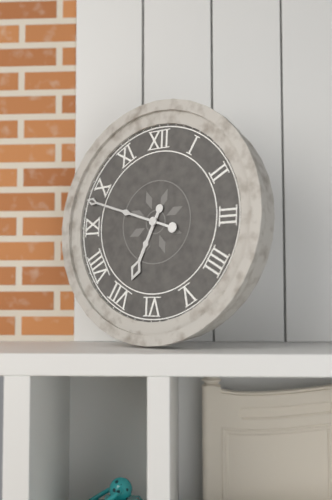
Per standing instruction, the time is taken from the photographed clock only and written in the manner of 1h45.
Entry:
6h48
